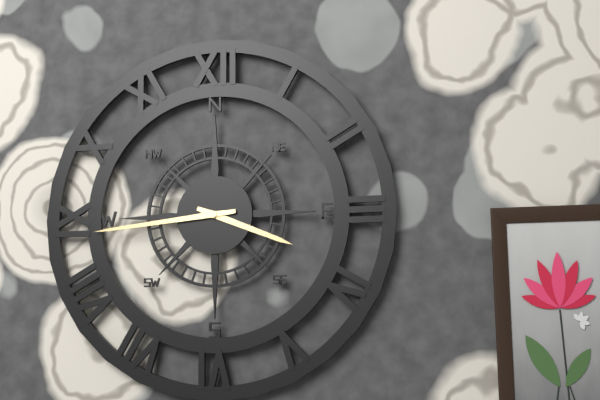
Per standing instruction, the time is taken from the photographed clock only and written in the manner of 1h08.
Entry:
3h44
